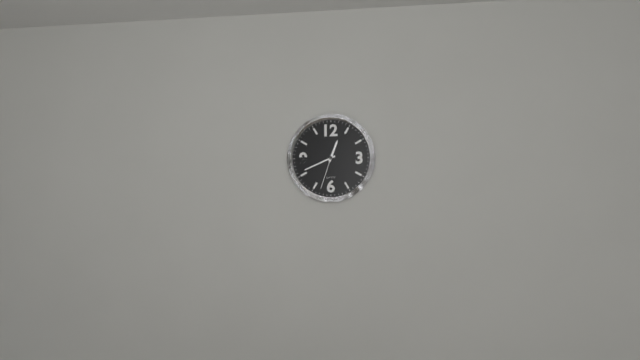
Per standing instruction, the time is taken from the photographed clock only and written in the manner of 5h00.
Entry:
12h41
